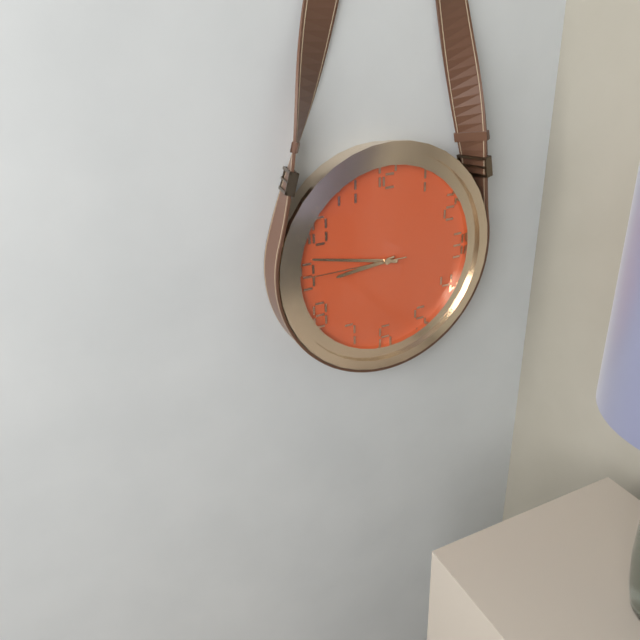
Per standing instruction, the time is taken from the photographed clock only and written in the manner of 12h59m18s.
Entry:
8h47m45s
